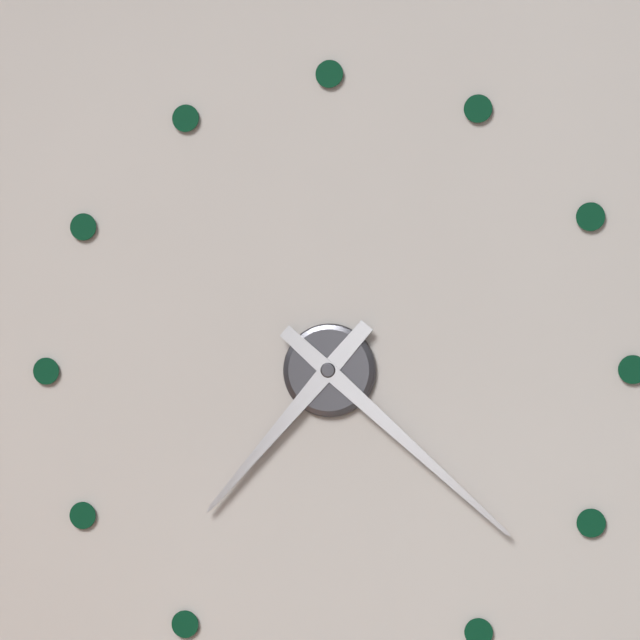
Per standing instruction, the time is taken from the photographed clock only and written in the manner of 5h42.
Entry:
7h22
